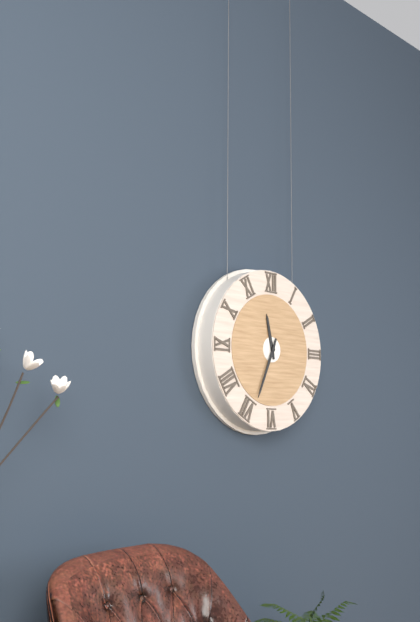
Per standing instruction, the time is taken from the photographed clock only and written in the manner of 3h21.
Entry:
11h34
